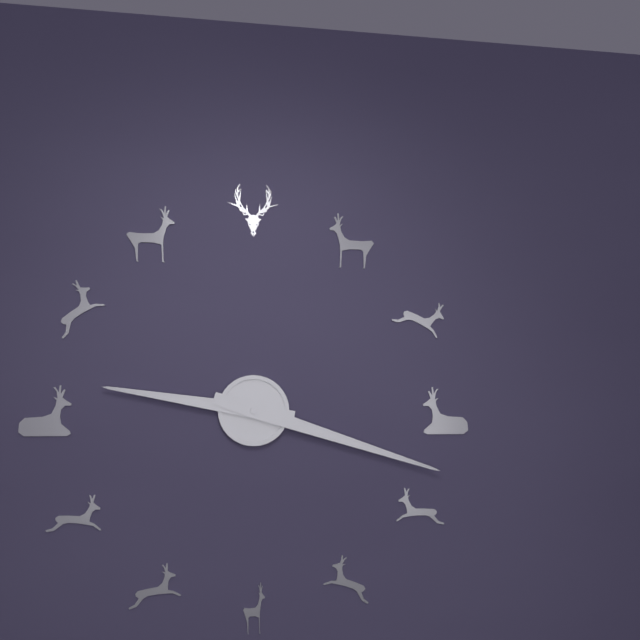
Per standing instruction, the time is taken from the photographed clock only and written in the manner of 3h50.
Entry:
9h18
